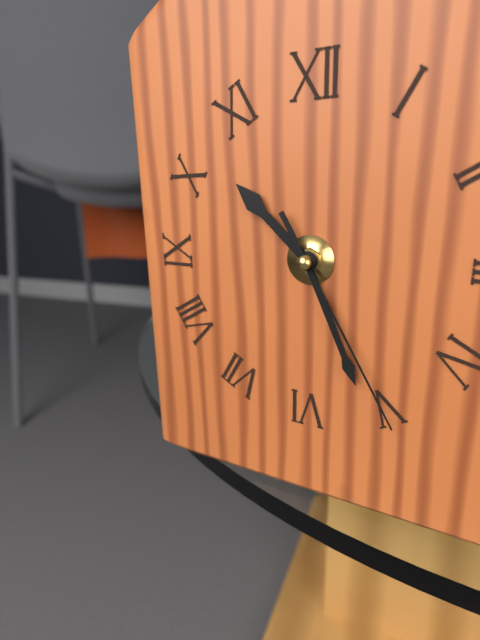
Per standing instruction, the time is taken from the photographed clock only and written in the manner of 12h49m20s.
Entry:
10h26m25s
